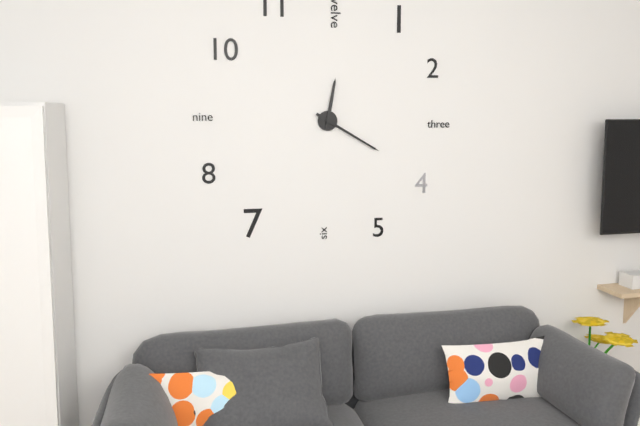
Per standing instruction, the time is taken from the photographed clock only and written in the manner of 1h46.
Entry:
12h20
